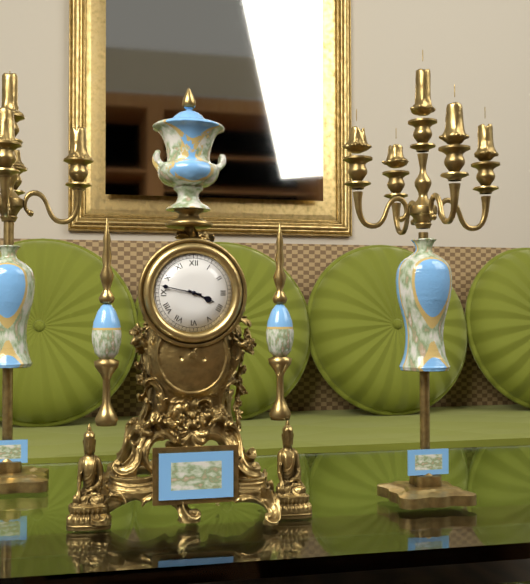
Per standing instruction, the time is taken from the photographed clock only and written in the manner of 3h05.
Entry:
3h47
